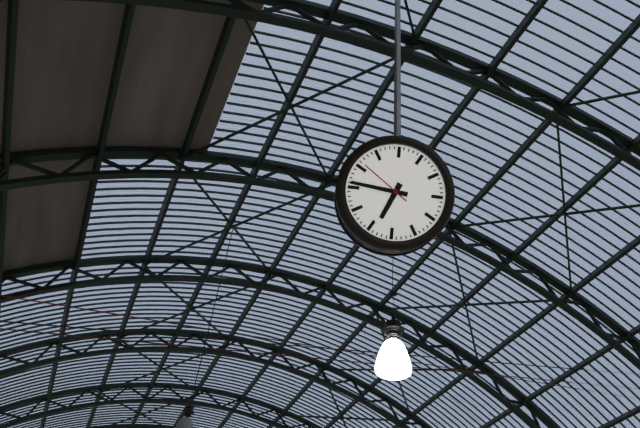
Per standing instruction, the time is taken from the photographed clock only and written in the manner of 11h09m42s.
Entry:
6h46m51s
